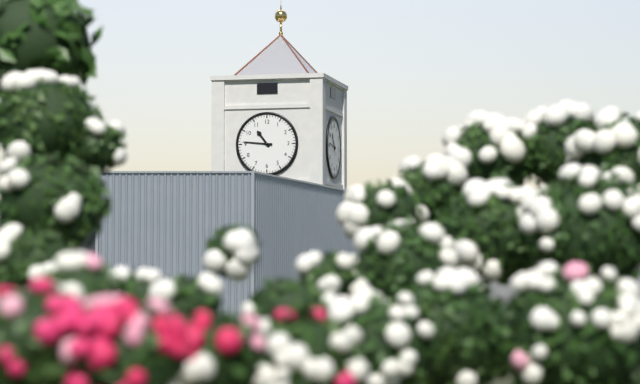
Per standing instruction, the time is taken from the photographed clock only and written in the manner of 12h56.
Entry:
10h46
